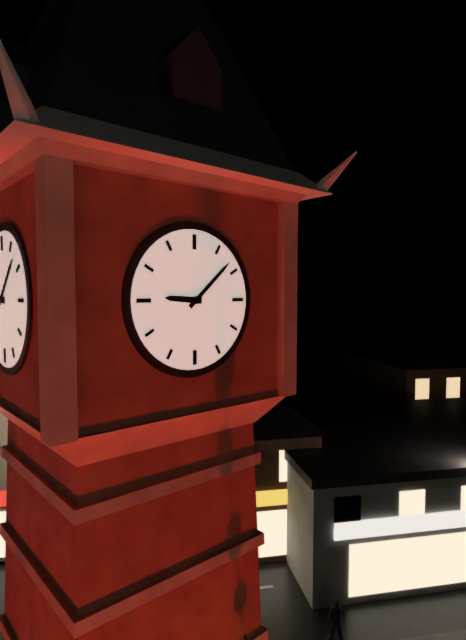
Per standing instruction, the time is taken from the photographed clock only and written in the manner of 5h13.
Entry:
9h08
